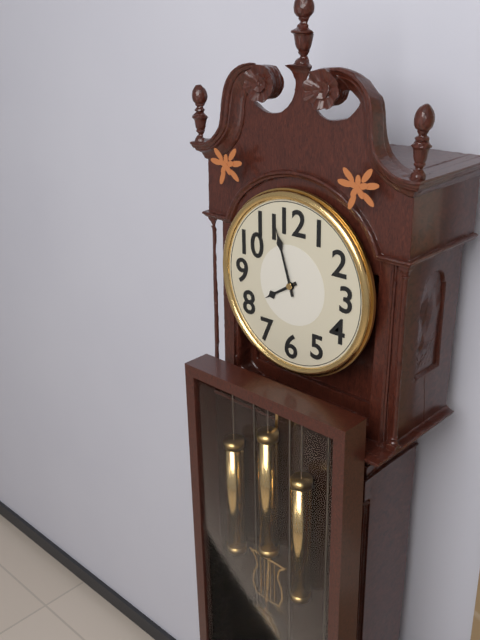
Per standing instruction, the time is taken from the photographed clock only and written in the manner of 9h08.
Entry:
7h57
